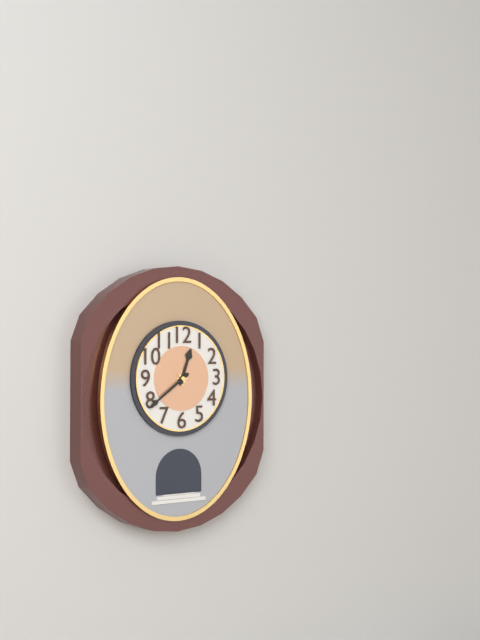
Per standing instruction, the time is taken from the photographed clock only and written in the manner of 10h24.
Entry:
12h39
